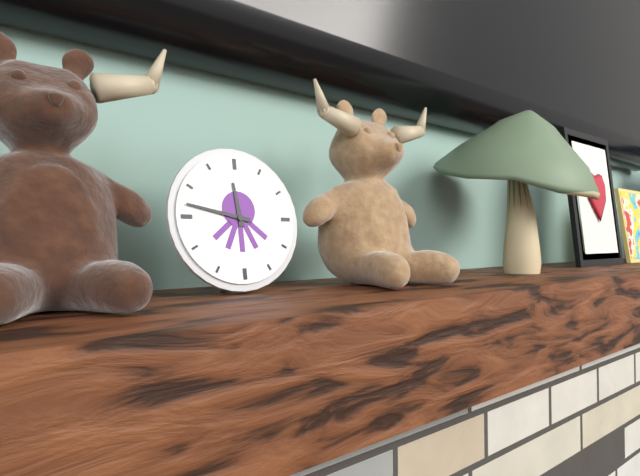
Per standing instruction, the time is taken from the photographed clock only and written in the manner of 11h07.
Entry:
11h47
